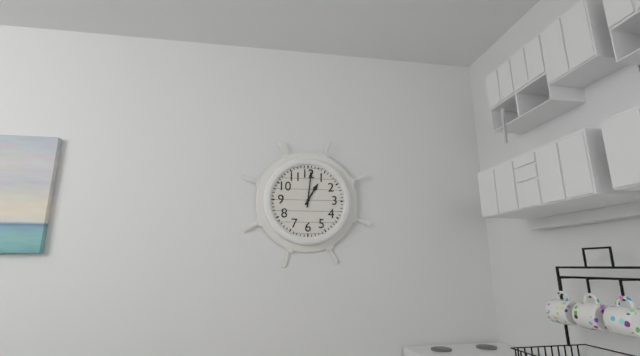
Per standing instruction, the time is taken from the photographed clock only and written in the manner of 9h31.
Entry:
1h01
